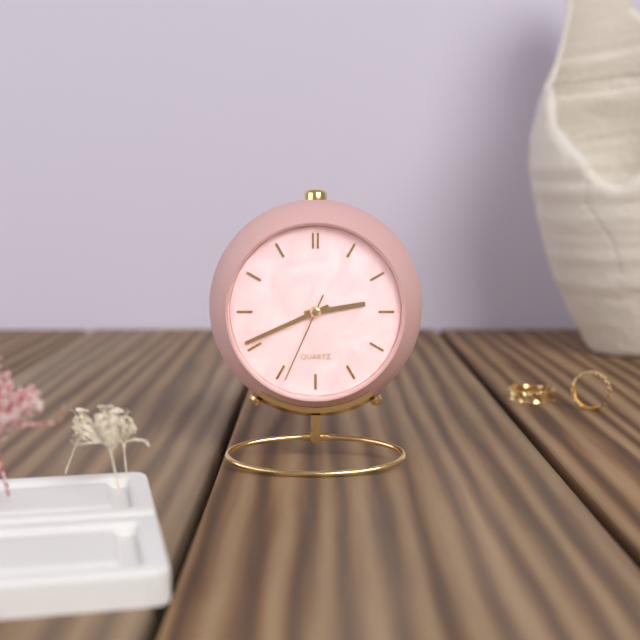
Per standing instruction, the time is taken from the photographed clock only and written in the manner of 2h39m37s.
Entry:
2h41m34s
